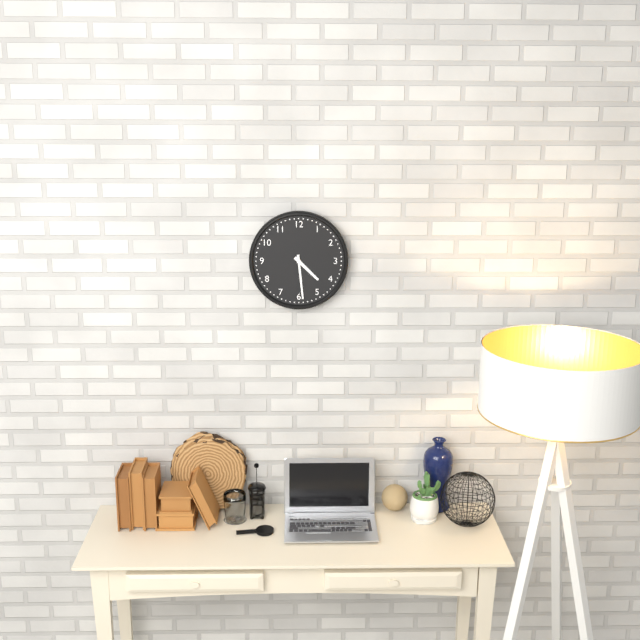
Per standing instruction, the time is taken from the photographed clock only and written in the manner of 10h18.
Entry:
4h29
